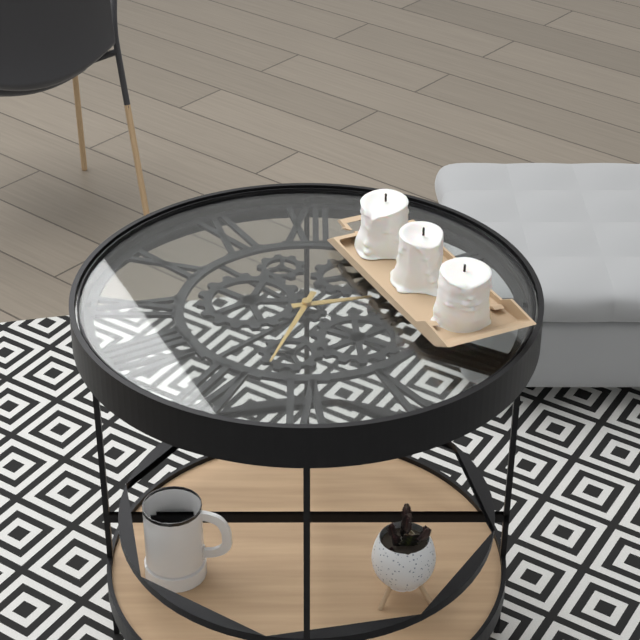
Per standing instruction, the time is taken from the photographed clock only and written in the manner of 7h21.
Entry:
2h33
